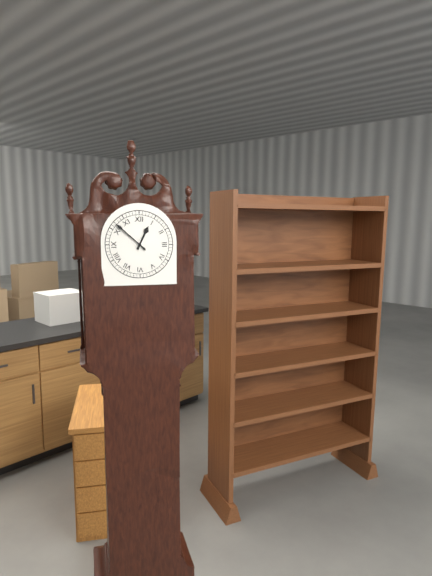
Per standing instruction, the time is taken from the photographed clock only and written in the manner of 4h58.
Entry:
12h52
